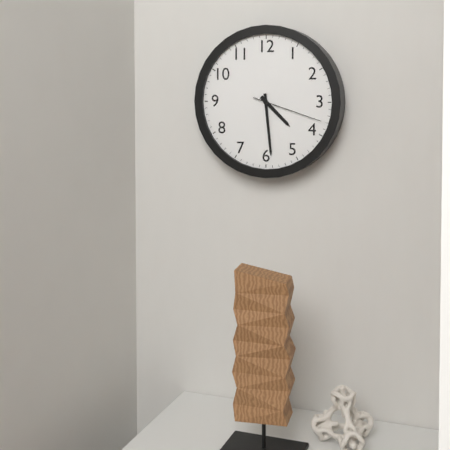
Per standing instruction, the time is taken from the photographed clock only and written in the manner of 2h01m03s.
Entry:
4h29m18s
